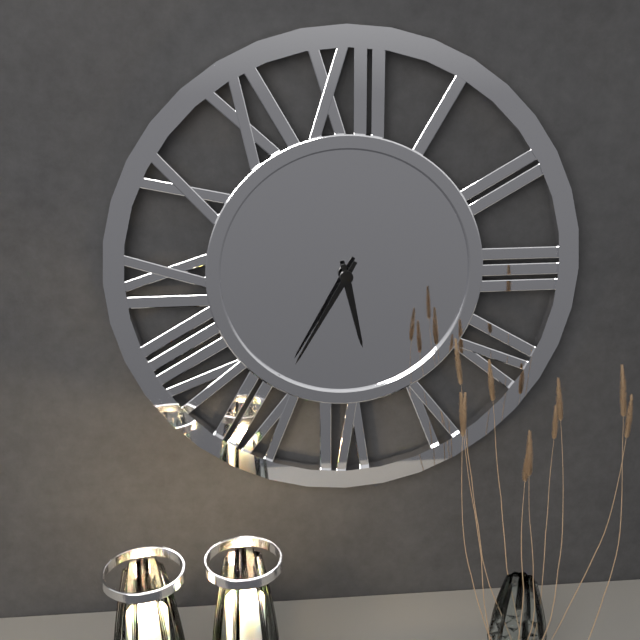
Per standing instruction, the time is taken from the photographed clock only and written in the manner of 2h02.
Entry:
5h35
